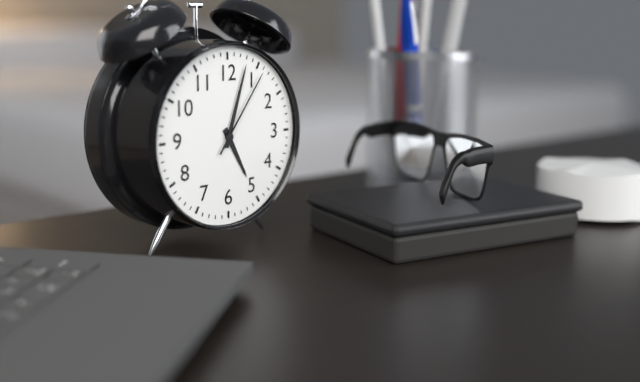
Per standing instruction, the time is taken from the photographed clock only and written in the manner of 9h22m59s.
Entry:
5h03m06s
